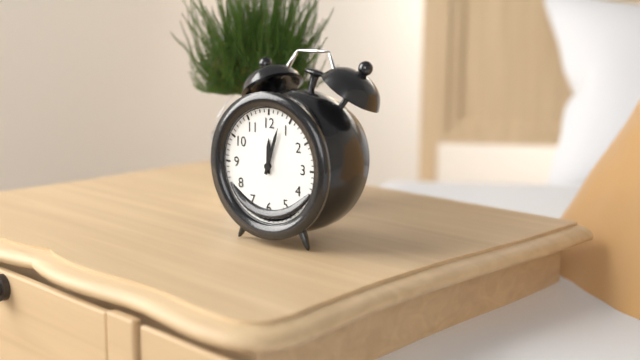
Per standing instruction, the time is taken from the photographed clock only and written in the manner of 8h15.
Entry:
12h03
